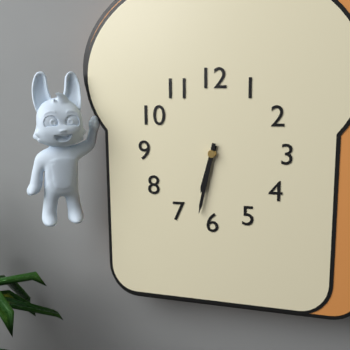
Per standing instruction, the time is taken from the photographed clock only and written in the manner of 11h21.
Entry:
6h32
